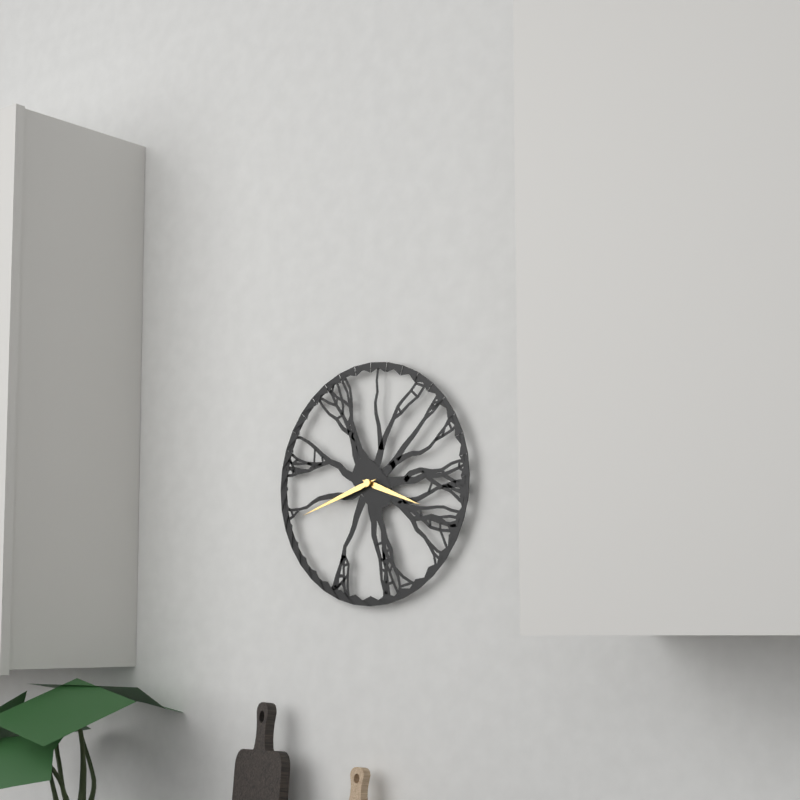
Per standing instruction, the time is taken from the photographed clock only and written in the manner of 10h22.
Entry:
3h42
